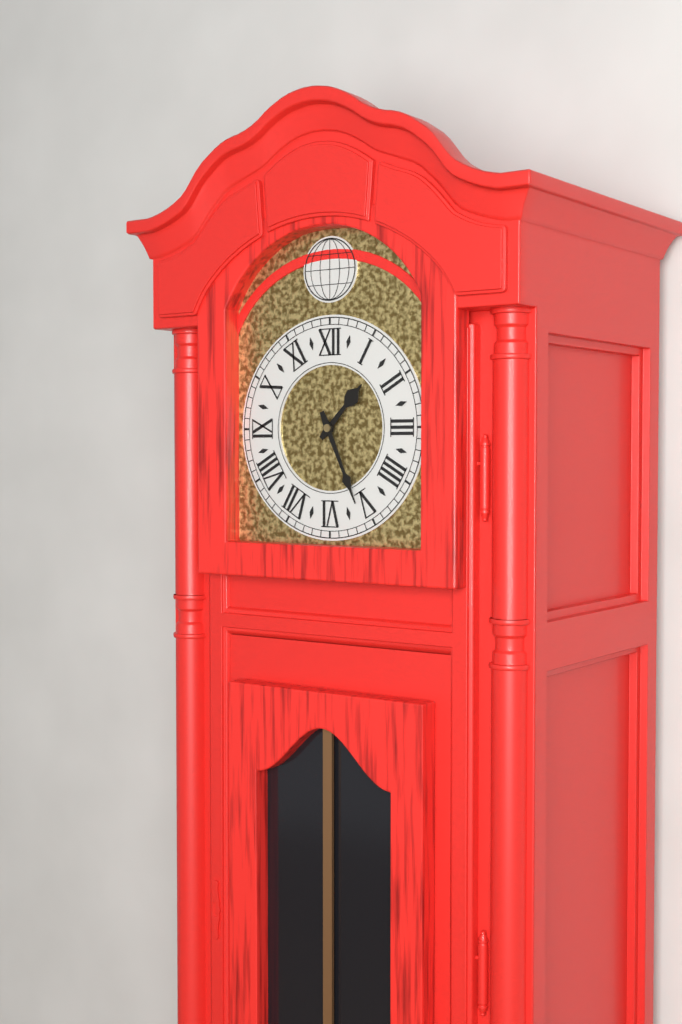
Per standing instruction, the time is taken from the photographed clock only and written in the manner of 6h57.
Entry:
1h26
